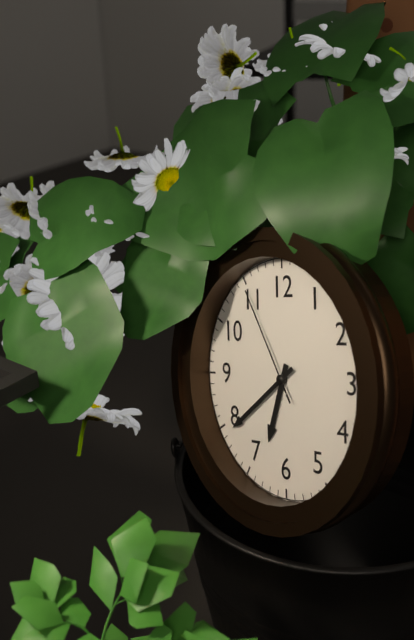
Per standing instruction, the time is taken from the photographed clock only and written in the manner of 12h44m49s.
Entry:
6h39m55s
